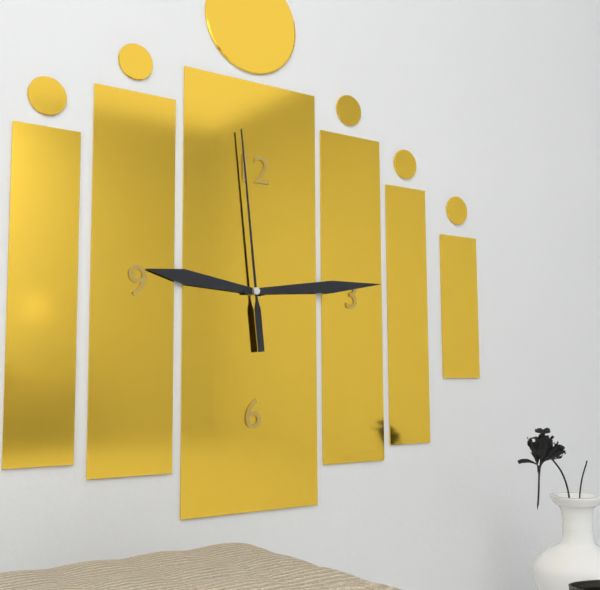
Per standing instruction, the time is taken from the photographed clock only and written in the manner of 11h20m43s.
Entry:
9h14m59s
